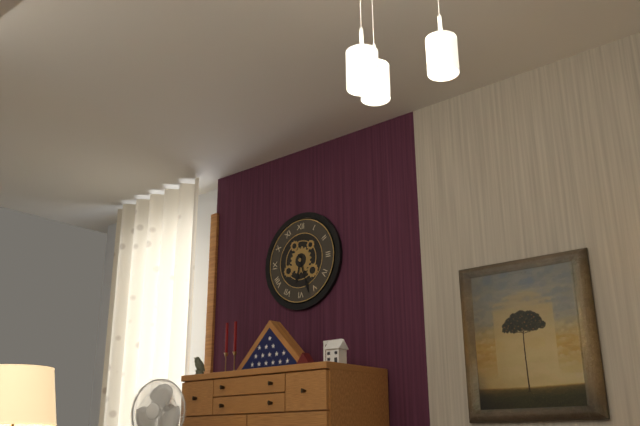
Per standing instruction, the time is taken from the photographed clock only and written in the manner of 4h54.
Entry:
6h27
